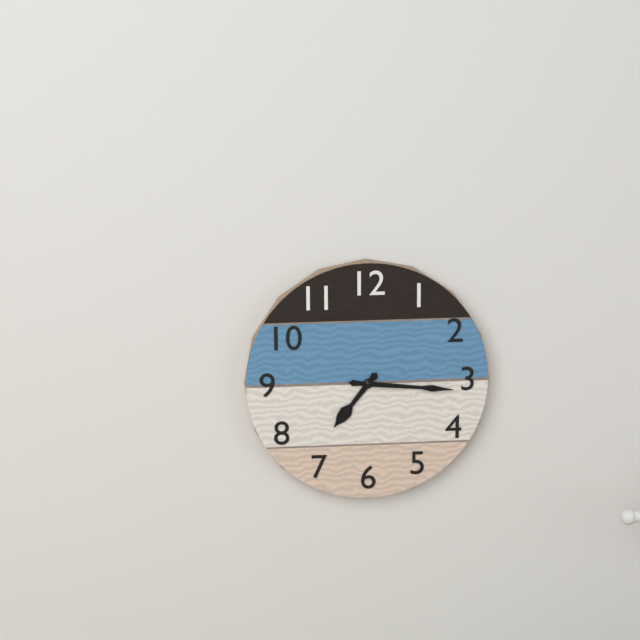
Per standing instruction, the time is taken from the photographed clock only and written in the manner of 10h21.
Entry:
7h16
